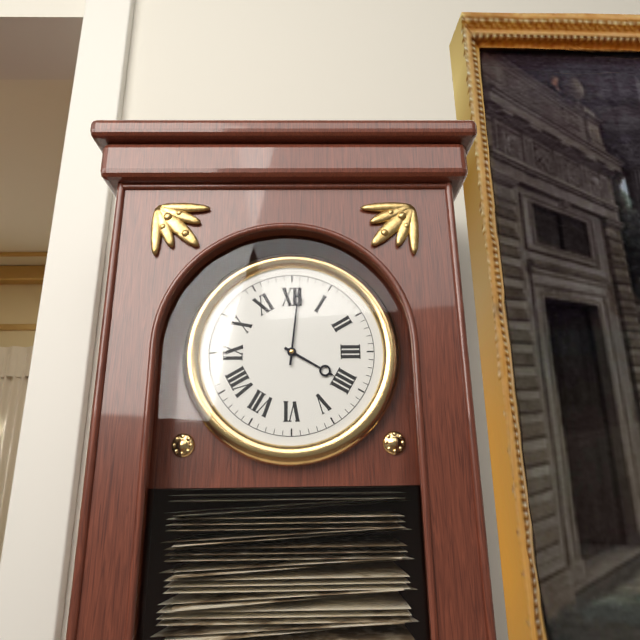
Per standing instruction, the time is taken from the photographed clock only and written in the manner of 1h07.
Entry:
4h01
